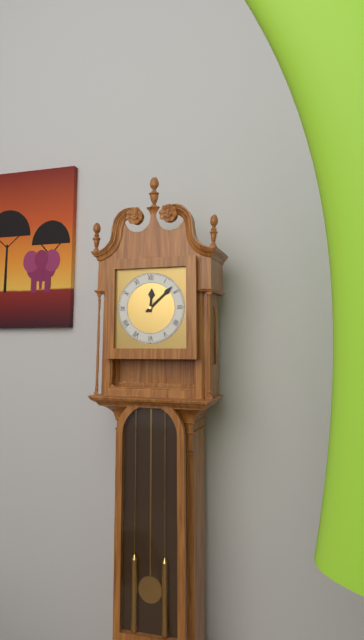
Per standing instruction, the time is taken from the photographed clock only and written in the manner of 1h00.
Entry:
12h08
